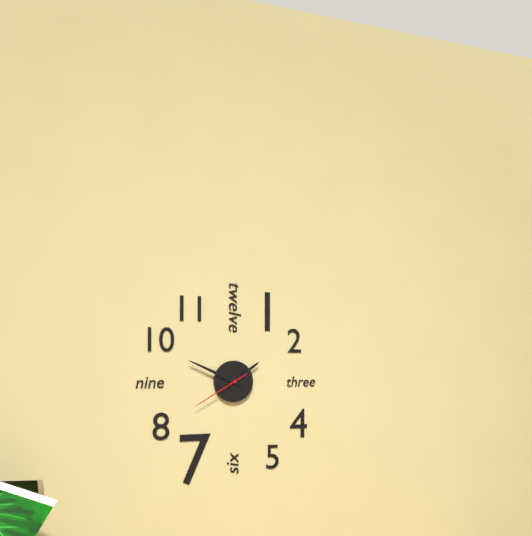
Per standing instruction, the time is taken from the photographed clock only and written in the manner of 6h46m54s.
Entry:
1h49m40s
